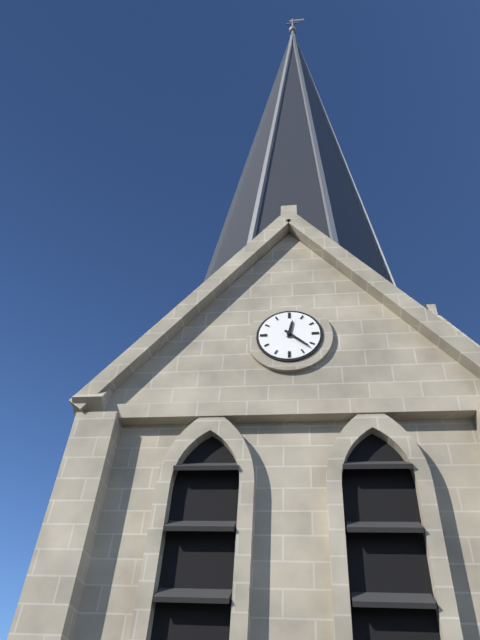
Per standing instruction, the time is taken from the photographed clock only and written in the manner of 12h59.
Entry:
12h22
